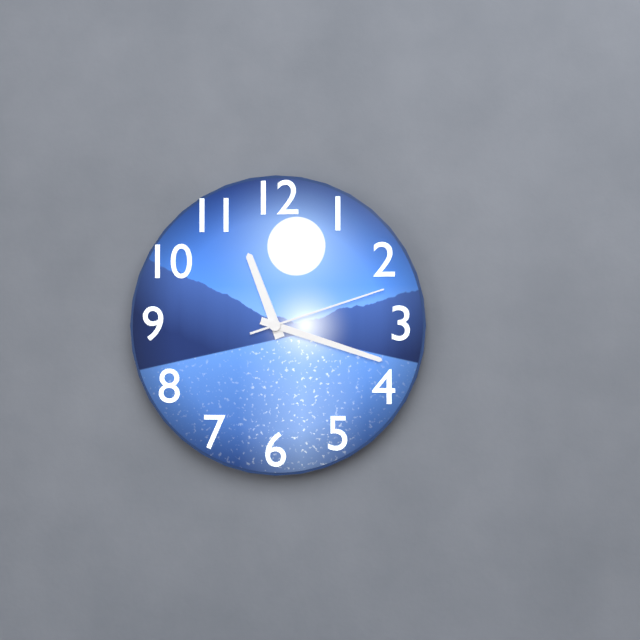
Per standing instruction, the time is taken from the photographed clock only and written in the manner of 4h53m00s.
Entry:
11h18m12s
